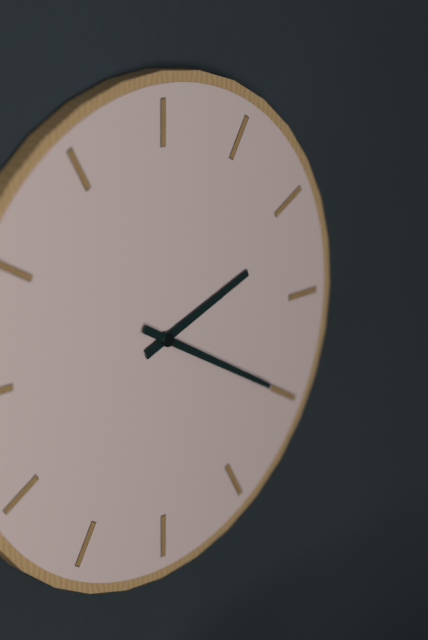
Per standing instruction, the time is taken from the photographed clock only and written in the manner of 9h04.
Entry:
2h20
